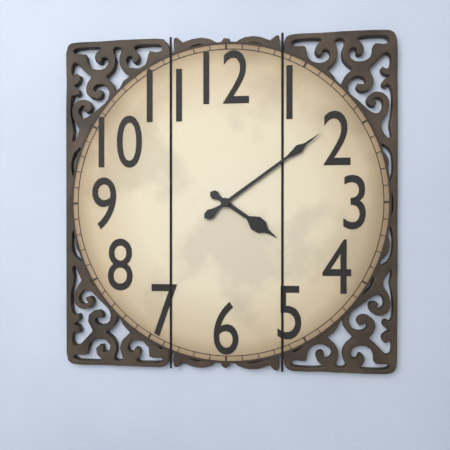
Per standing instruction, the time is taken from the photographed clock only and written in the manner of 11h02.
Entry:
4h09
